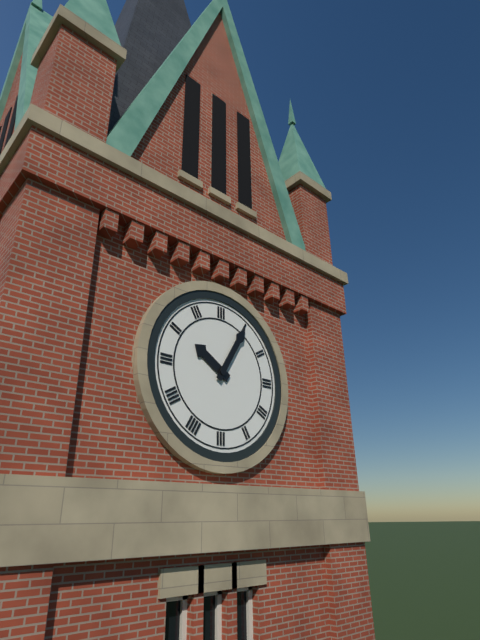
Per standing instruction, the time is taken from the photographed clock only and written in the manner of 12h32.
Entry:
10h05
